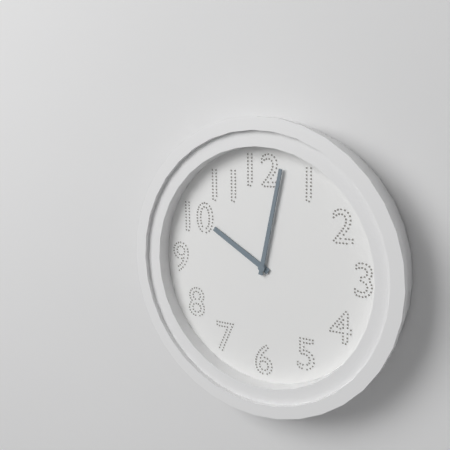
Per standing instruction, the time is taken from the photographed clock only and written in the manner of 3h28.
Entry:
10h02
